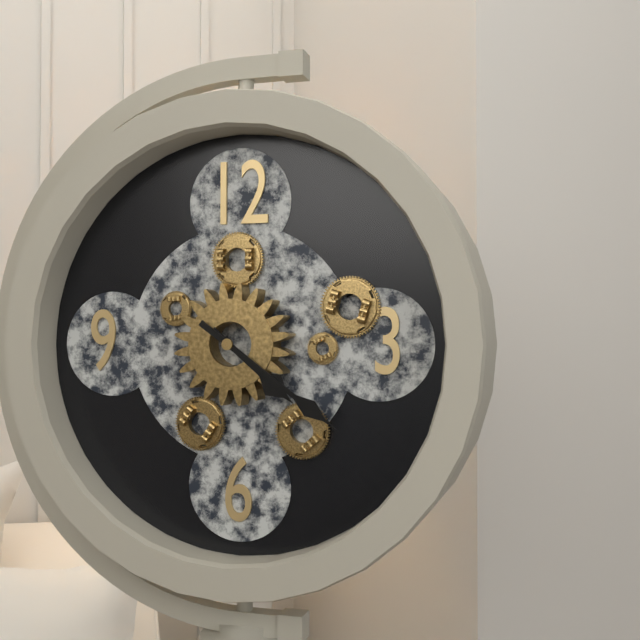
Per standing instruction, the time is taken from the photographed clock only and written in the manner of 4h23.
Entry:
4h21
